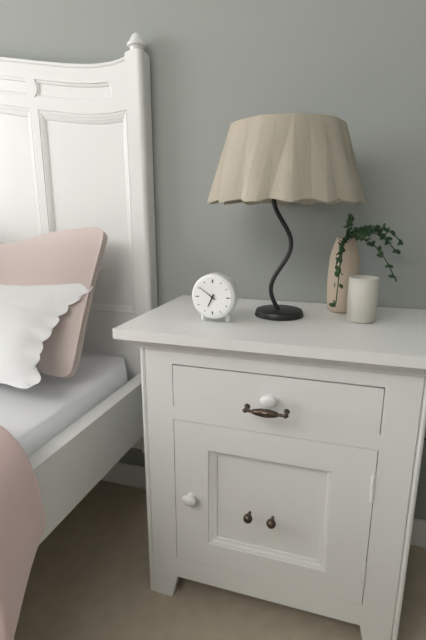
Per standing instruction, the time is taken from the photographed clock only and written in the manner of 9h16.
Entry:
6h51
